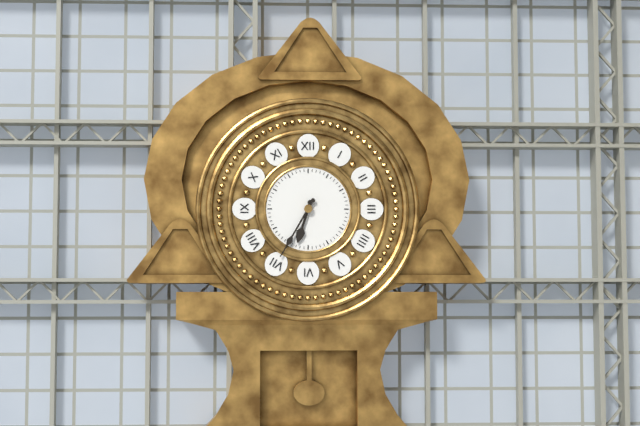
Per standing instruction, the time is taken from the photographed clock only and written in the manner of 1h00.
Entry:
6h35
